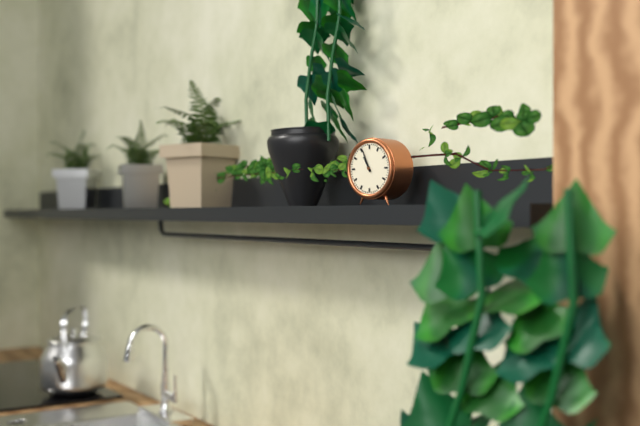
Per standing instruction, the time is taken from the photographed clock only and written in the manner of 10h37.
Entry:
10h56
